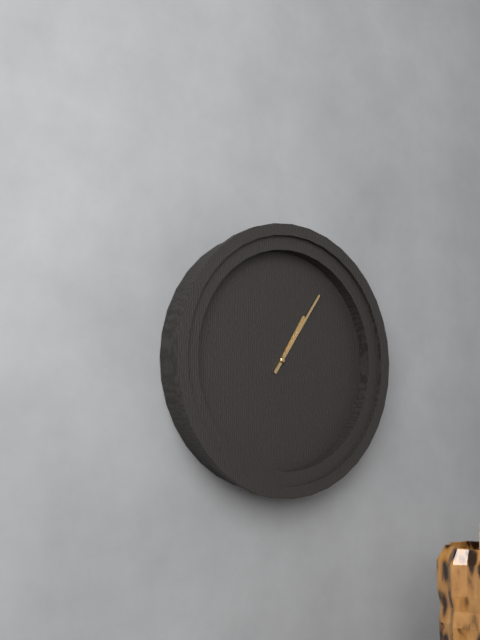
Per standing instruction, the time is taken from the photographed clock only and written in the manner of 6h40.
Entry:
1h06
